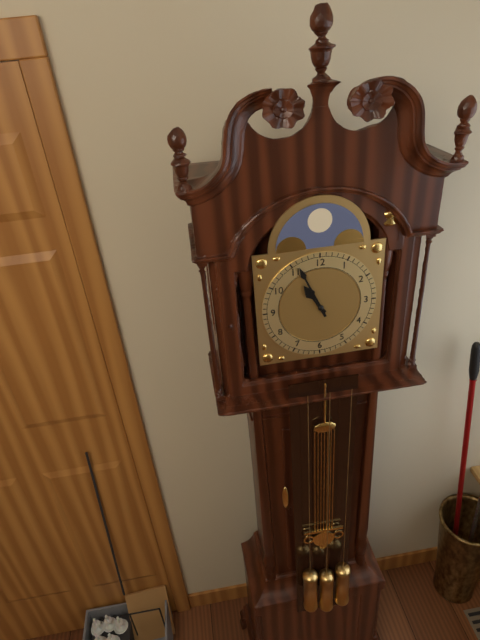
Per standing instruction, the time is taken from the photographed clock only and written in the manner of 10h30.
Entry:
10h56
